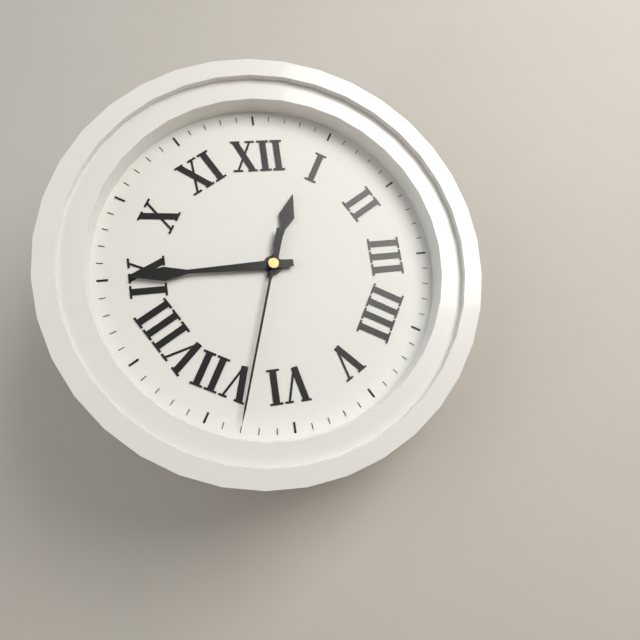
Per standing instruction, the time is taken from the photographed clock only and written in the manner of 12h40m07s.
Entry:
12h45m33s
